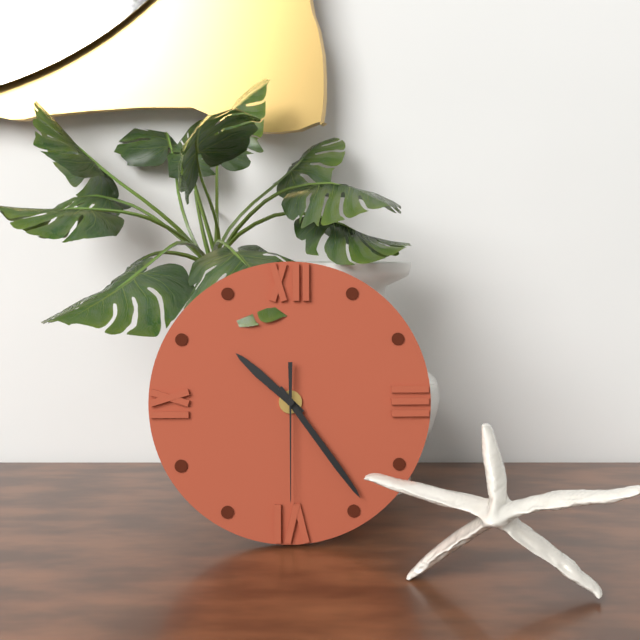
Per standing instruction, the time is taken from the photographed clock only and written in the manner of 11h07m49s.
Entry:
10h24m30s
